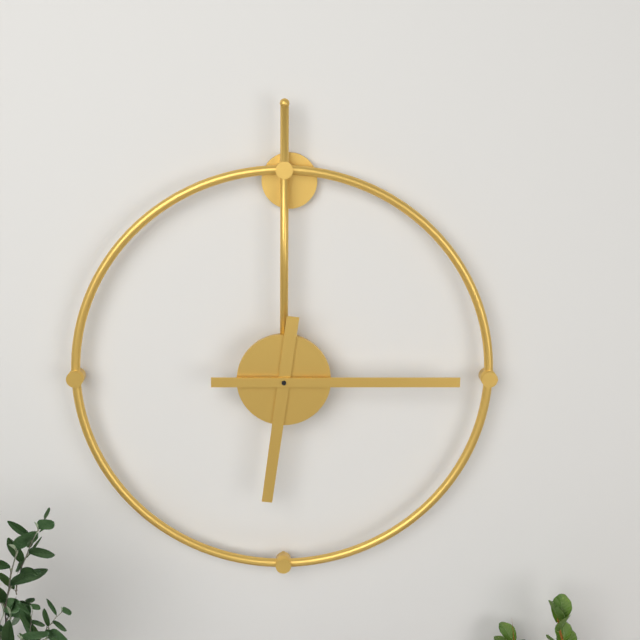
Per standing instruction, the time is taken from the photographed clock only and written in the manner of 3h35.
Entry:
6h15
